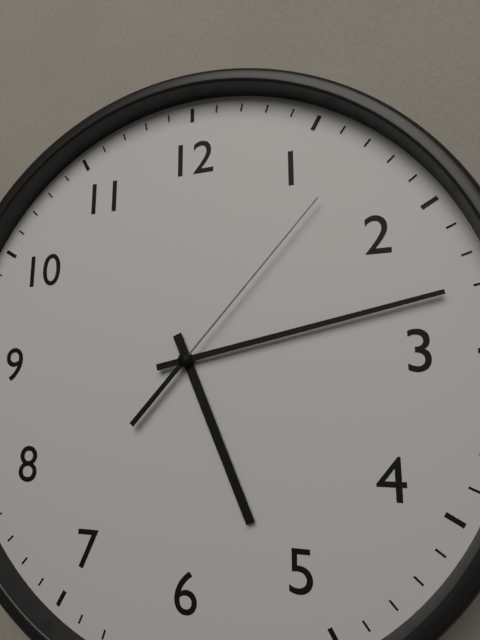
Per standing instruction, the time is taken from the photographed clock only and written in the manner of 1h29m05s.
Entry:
5h13m07s
